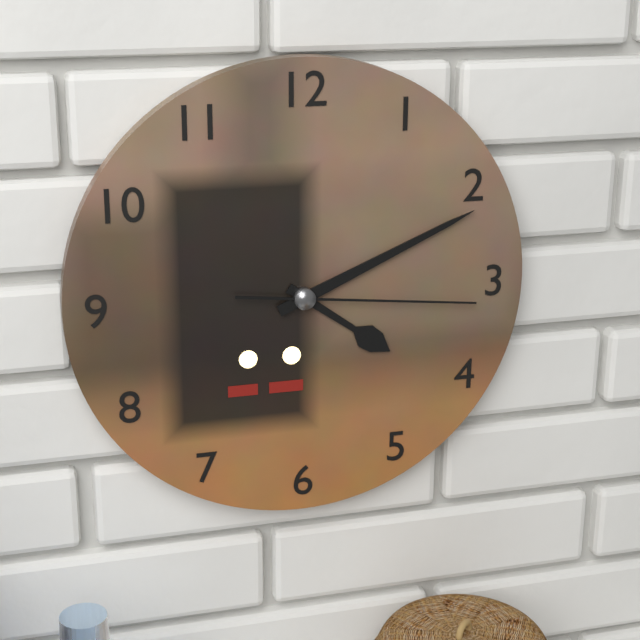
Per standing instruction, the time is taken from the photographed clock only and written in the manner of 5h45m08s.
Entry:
4h11m16s
